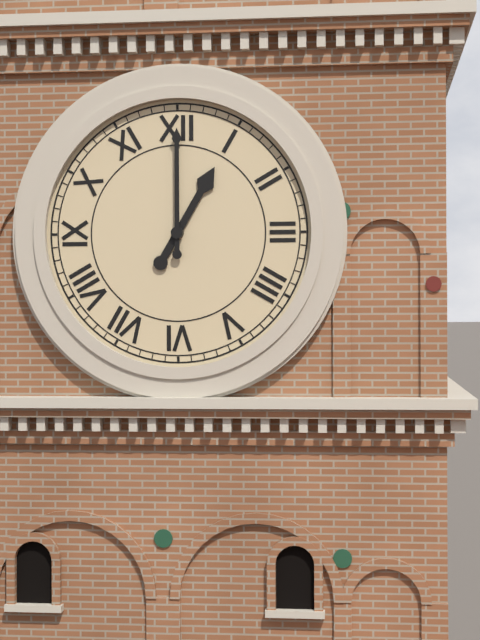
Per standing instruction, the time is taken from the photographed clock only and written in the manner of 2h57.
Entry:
1h00
